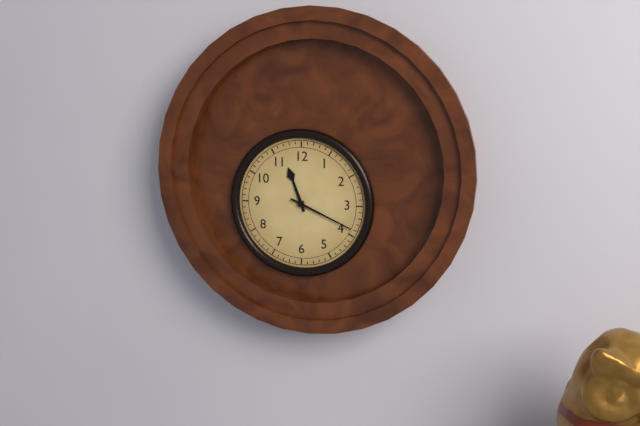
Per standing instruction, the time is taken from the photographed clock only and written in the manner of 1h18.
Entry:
11h19
